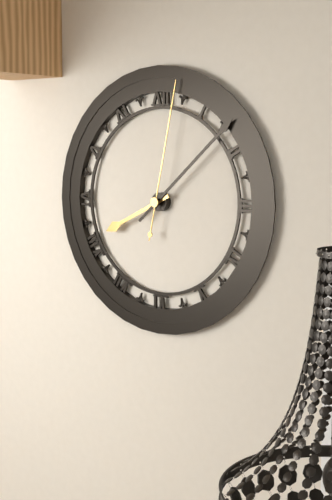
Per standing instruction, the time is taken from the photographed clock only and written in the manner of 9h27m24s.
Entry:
8h08m02s
